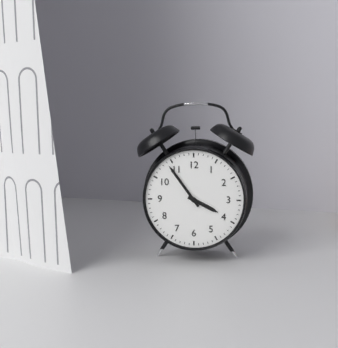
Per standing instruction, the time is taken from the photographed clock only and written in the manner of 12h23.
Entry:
3h54
